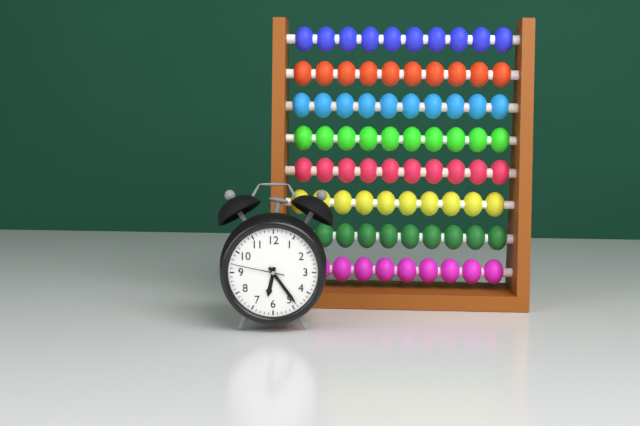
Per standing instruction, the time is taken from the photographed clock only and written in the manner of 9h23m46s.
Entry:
6h24m47s
